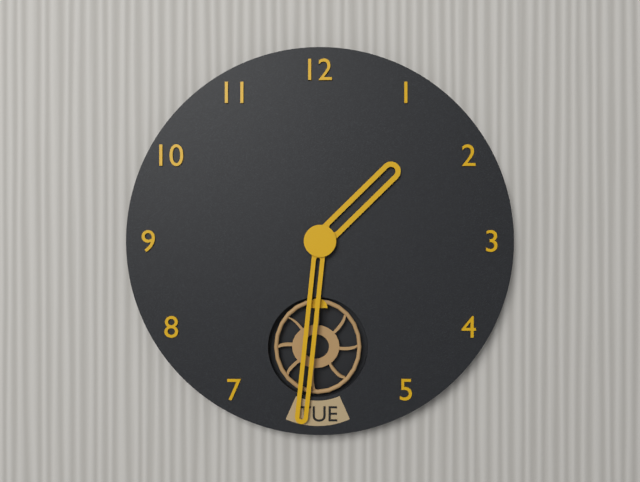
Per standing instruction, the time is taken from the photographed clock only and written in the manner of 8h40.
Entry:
1h31
